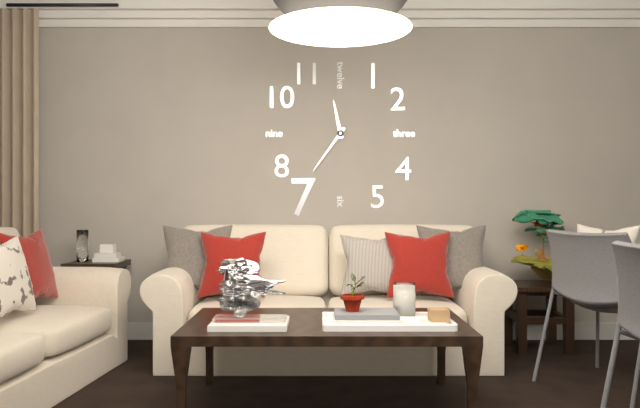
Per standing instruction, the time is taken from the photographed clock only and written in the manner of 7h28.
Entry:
11h36
